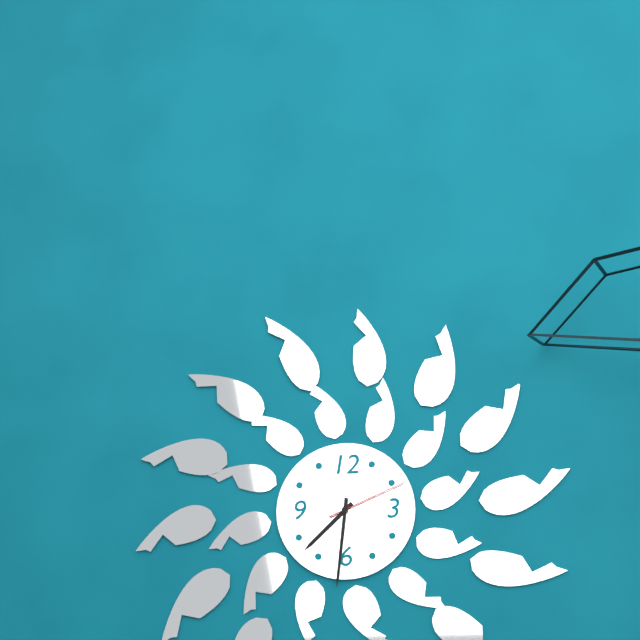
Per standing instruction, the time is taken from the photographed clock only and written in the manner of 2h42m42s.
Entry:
7h31m11s
